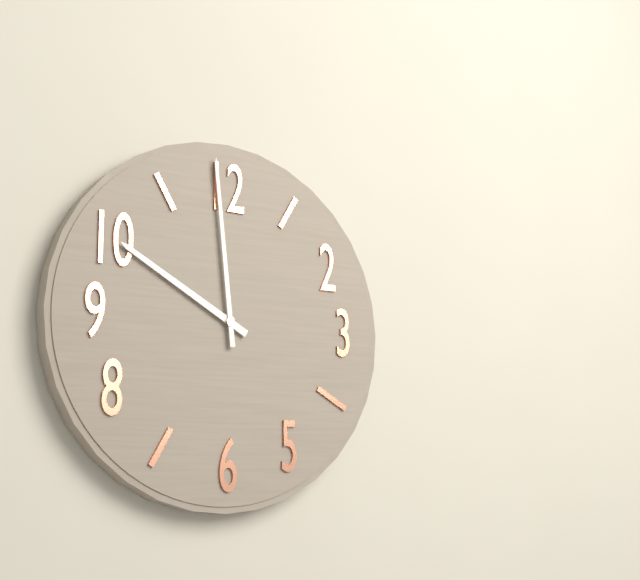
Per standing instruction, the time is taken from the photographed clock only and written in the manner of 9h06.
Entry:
9h59
